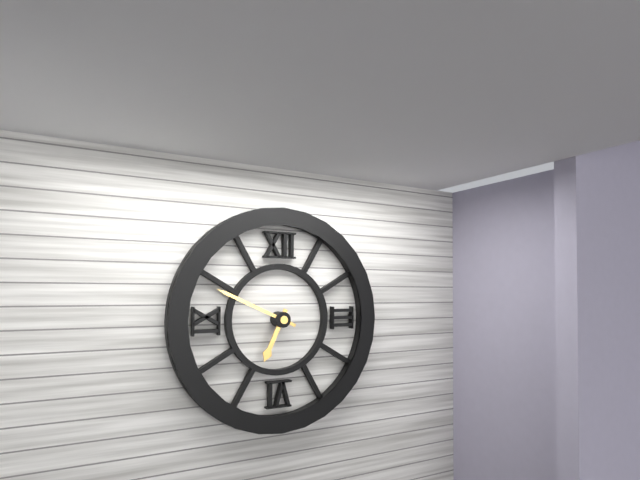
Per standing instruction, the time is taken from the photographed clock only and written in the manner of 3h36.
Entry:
6h49
